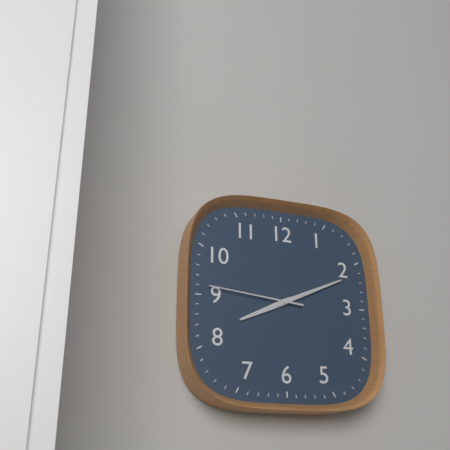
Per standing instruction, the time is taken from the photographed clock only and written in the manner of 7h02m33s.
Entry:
8h11m46s
